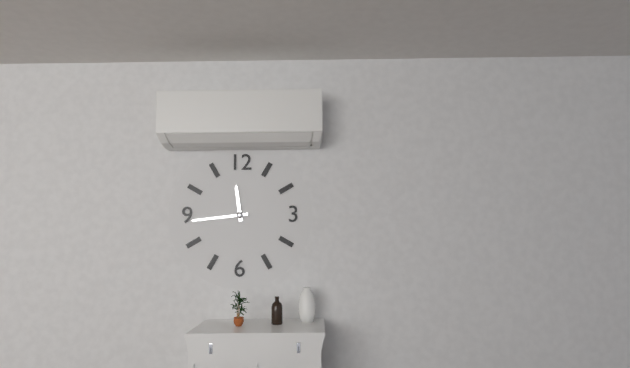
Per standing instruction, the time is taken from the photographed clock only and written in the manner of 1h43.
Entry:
11h44
